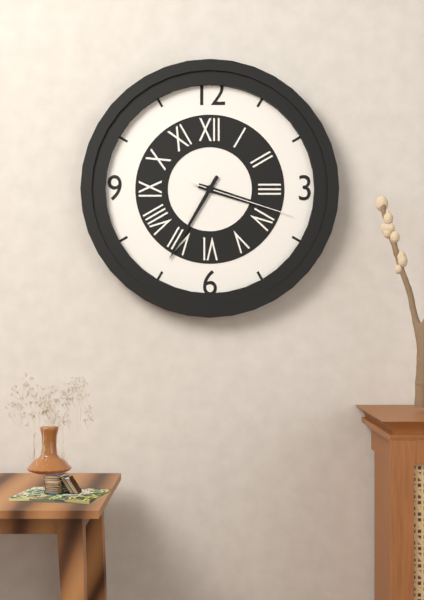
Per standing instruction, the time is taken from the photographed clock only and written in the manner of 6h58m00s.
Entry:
3h35m18s
